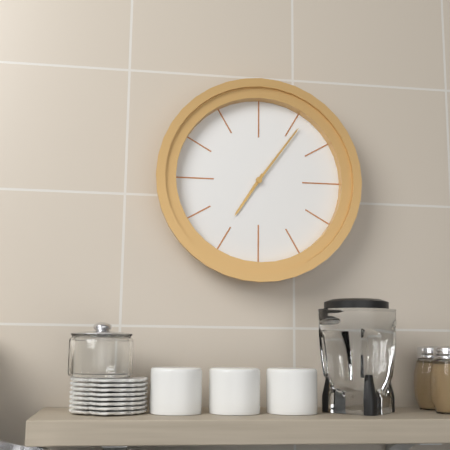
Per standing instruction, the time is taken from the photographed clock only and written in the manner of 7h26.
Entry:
7h06
